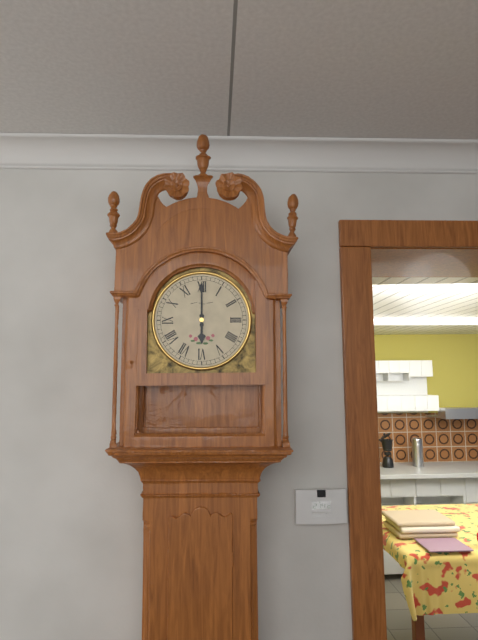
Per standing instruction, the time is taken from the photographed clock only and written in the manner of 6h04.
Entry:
6h00
